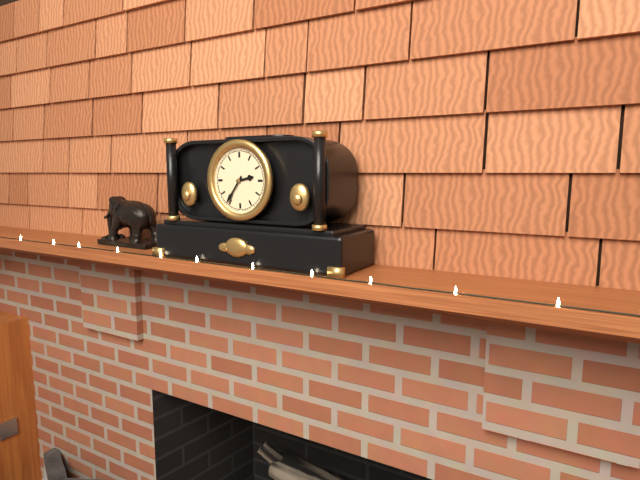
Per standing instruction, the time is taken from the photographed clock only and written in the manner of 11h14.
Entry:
2h36
